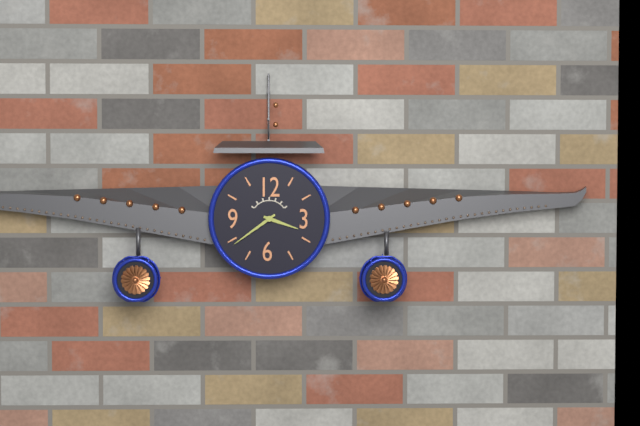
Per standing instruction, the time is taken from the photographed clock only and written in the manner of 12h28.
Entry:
3h39
